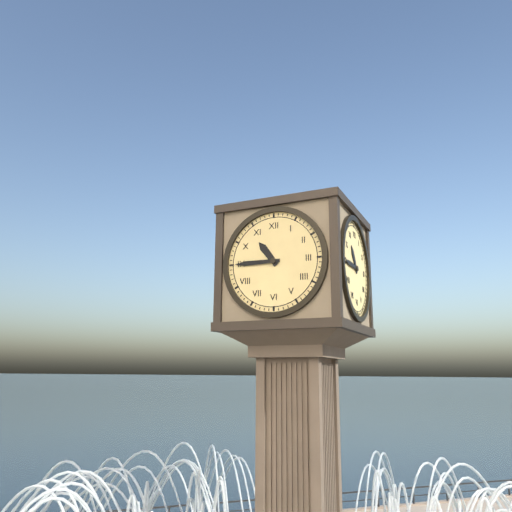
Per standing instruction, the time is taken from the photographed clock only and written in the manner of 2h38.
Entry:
10h45
